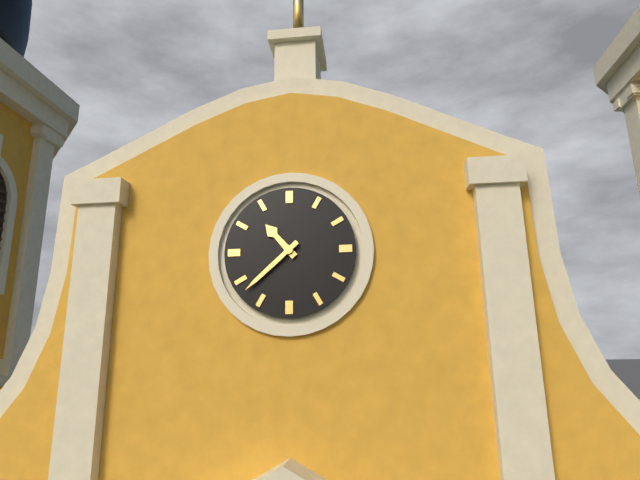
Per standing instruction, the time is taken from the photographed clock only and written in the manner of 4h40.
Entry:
10h38
